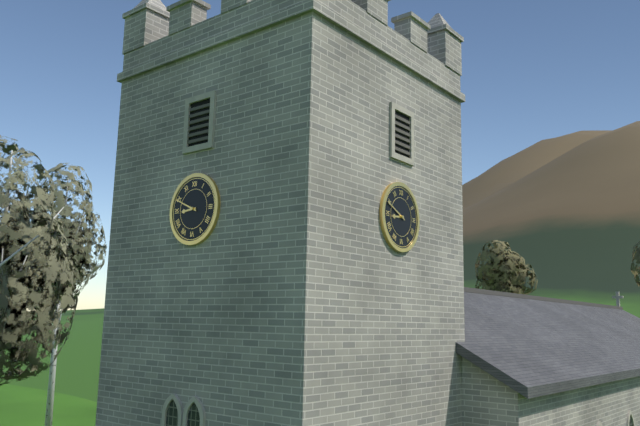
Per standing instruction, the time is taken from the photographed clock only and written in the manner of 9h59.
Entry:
8h49
